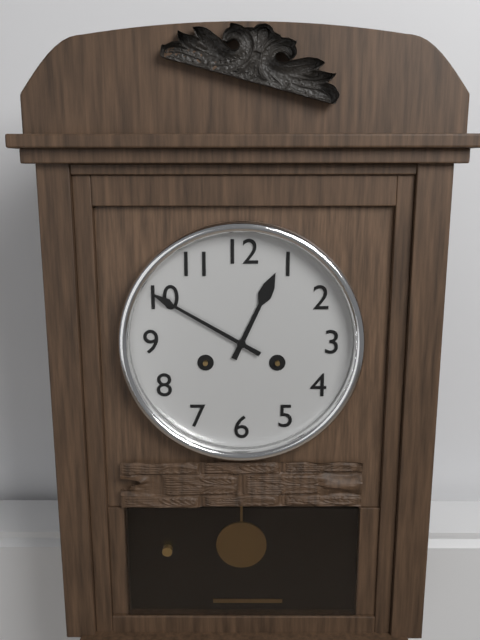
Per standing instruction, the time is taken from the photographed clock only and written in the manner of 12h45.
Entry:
12h50
